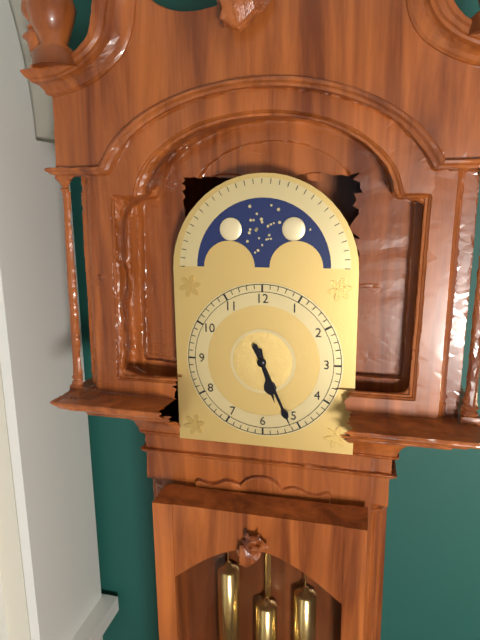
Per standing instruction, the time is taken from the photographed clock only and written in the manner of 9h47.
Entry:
5h26
